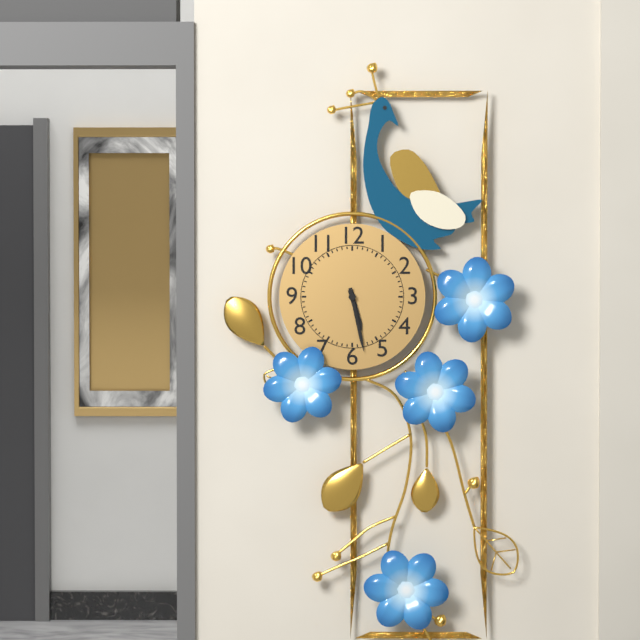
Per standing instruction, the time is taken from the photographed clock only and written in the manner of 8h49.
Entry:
5h28
